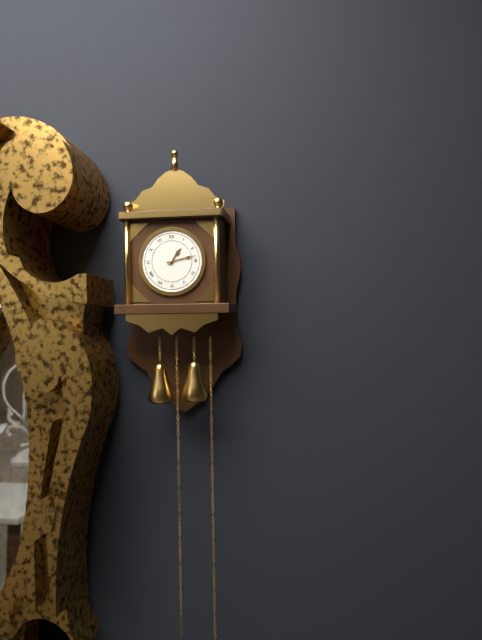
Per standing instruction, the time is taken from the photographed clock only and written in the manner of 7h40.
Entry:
1h13
